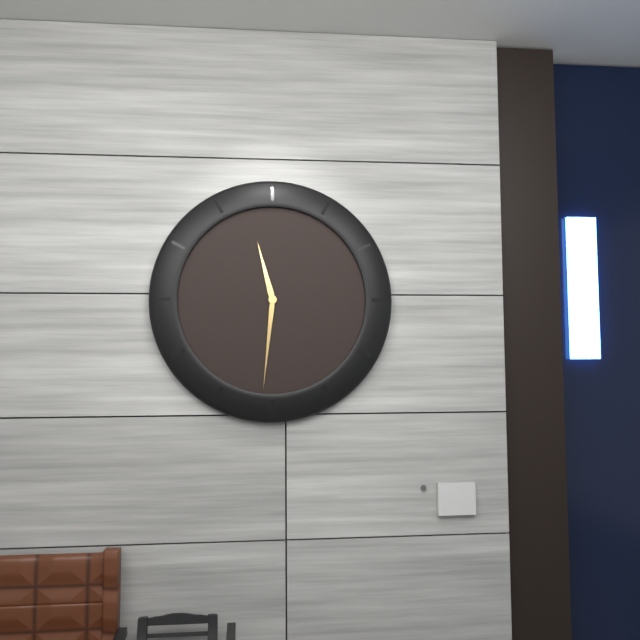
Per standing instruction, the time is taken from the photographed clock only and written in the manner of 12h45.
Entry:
11h31
